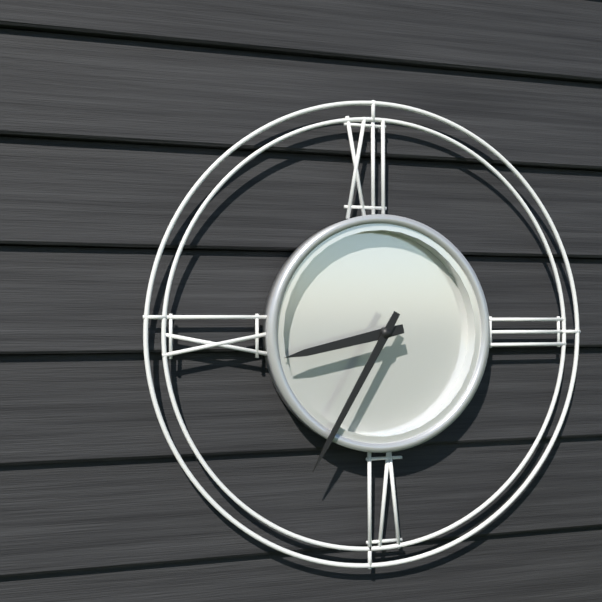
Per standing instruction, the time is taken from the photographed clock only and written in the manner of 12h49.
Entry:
8h35
